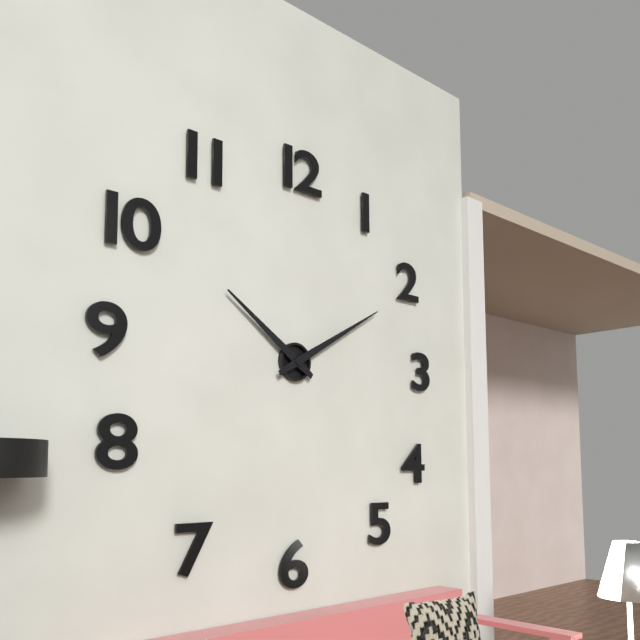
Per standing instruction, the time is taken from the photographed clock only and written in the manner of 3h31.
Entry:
10h10
